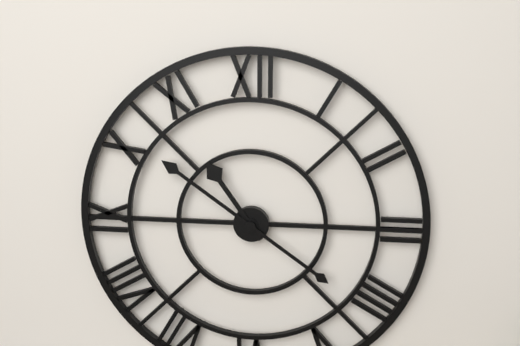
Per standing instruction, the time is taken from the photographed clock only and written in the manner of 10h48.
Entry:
10h51
